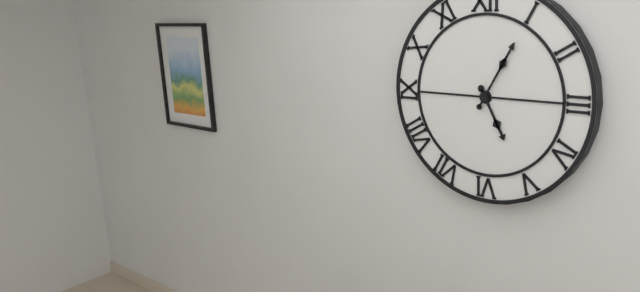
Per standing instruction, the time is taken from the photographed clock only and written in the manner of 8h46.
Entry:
5h05
